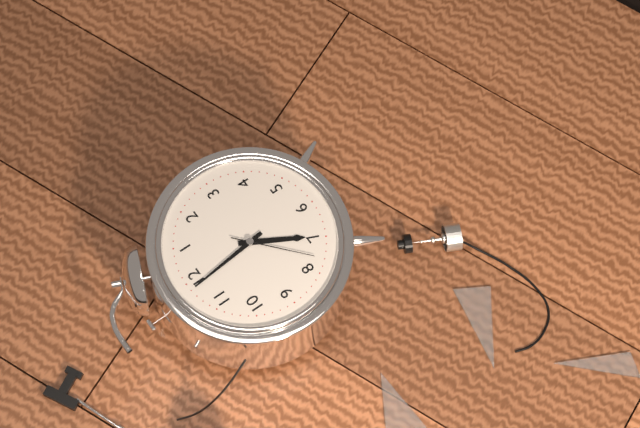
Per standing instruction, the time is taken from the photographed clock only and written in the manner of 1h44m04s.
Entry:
6h59m38s
